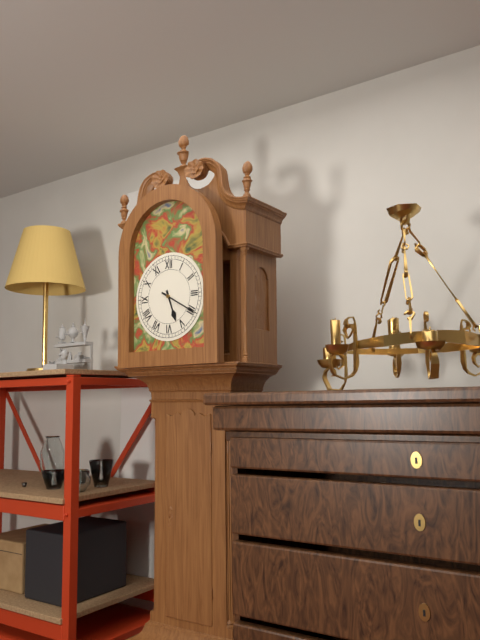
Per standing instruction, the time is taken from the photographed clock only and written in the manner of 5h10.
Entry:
5h20
